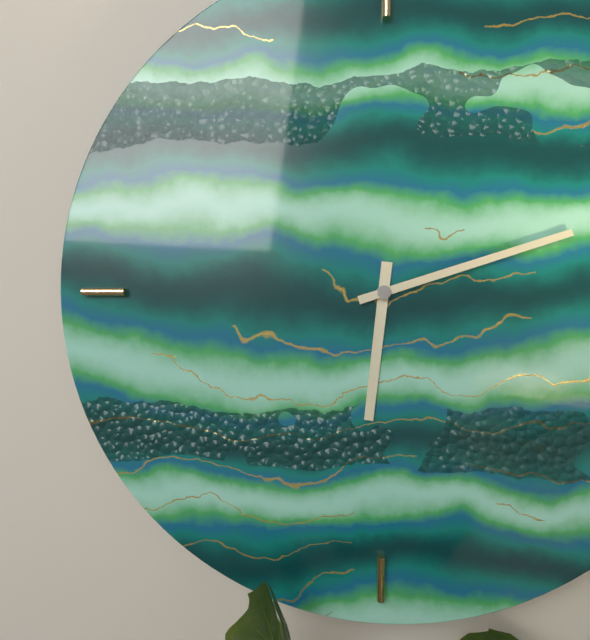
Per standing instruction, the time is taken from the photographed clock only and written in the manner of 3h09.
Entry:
6h12
